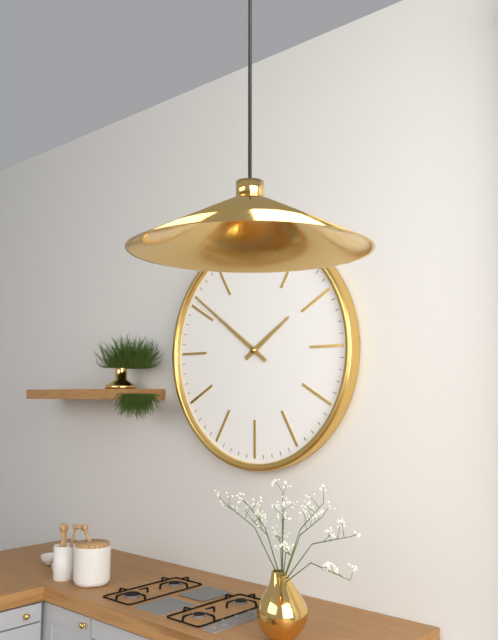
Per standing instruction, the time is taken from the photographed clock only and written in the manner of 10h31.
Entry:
1h51
